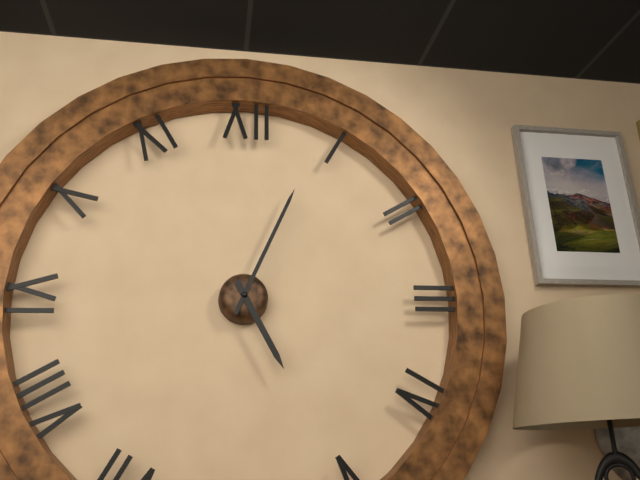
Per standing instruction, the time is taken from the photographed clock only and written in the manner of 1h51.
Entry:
5h04
